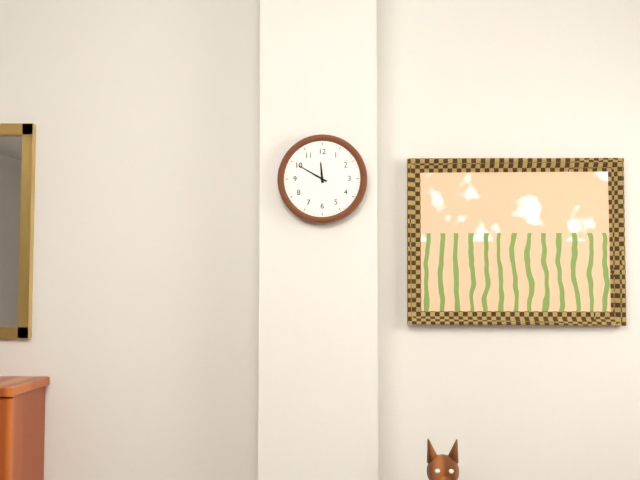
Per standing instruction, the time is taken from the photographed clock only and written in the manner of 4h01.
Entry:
11h50
